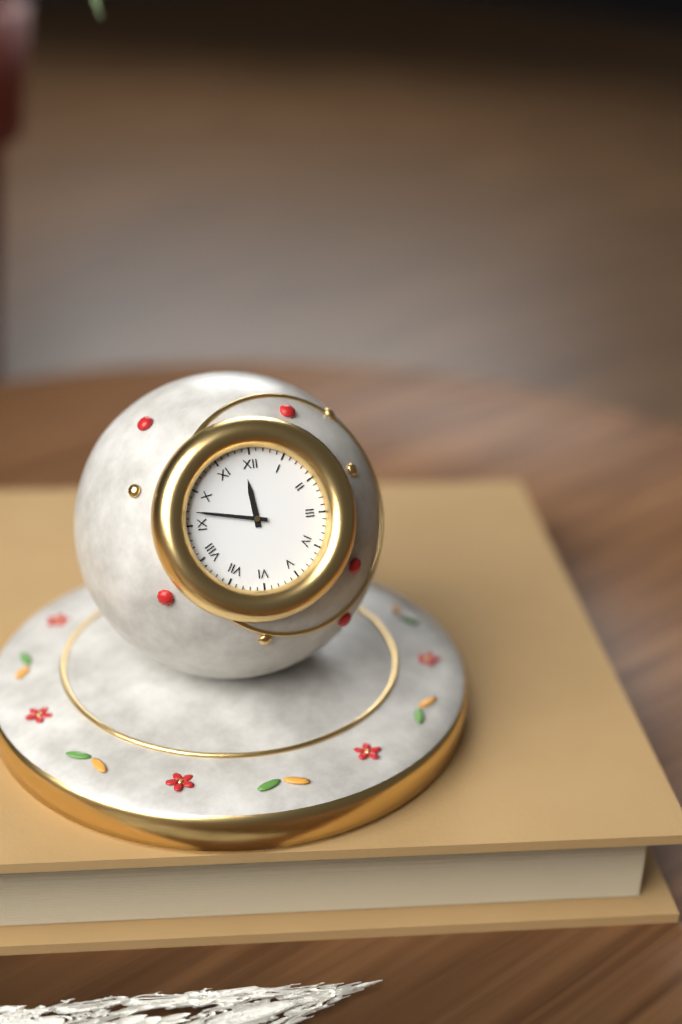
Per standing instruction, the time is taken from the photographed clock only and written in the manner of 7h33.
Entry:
11h47
